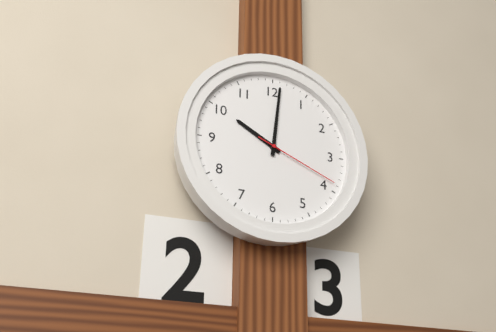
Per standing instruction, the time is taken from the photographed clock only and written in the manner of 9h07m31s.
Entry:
10h01m19s
